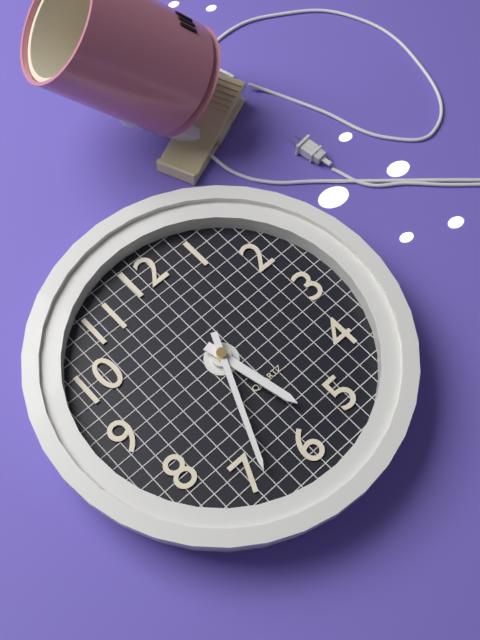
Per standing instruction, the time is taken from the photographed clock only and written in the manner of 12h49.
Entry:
5h34
